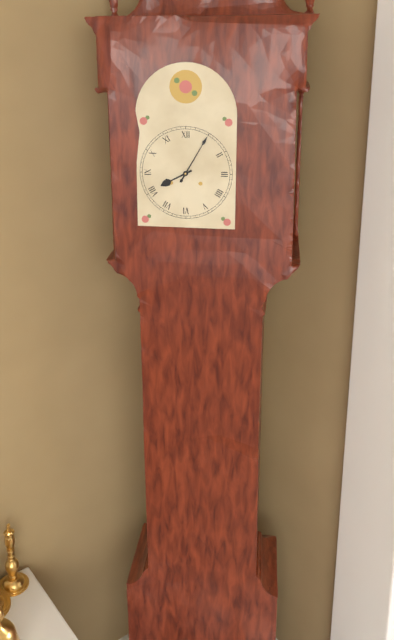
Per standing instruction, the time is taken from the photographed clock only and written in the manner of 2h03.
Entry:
8h05
